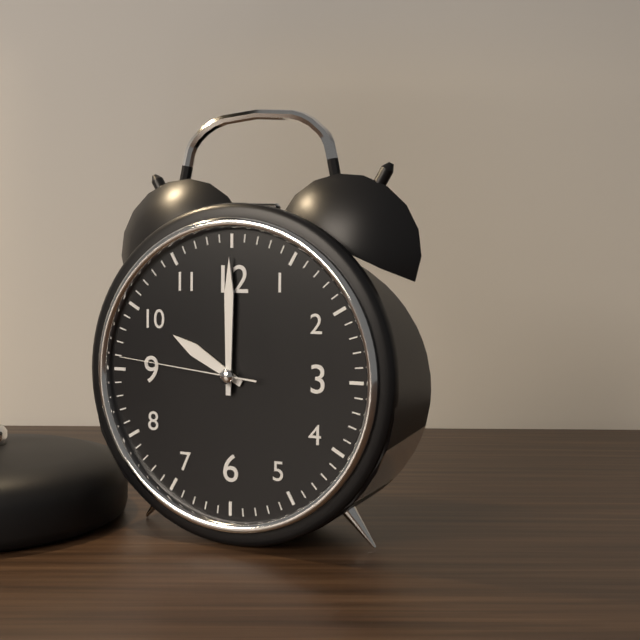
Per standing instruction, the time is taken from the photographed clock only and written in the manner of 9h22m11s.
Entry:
10h00m46s
